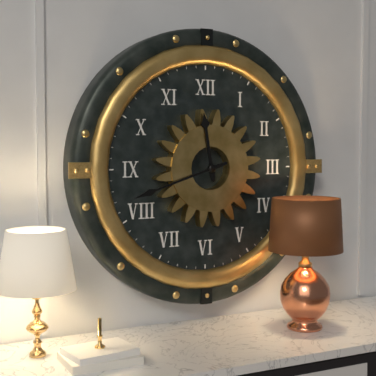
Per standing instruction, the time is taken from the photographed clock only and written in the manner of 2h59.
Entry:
11h42
